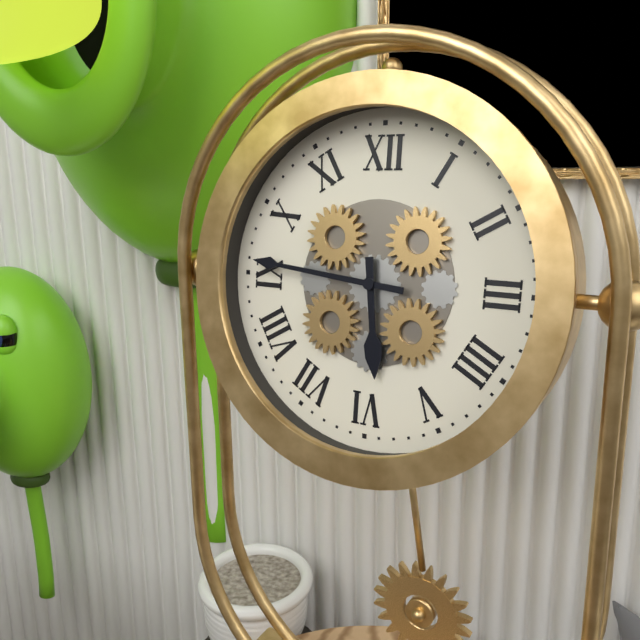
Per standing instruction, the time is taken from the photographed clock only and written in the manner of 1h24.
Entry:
5h46
